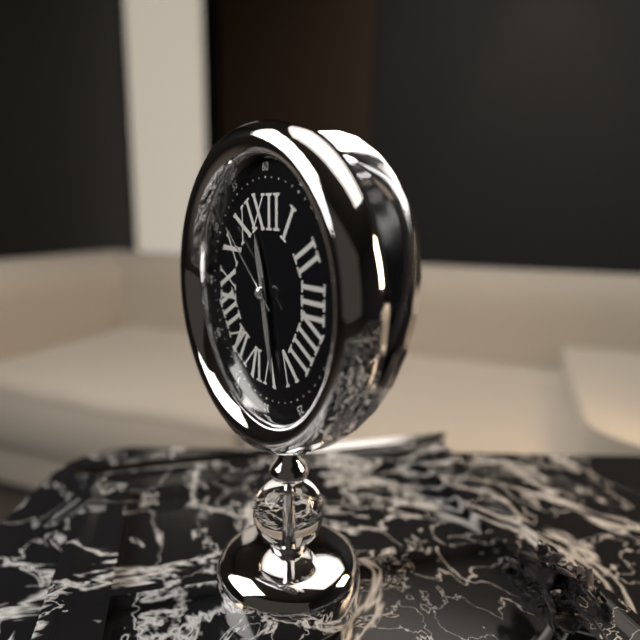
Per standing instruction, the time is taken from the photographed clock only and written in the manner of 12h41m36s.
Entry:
11h28m52s
